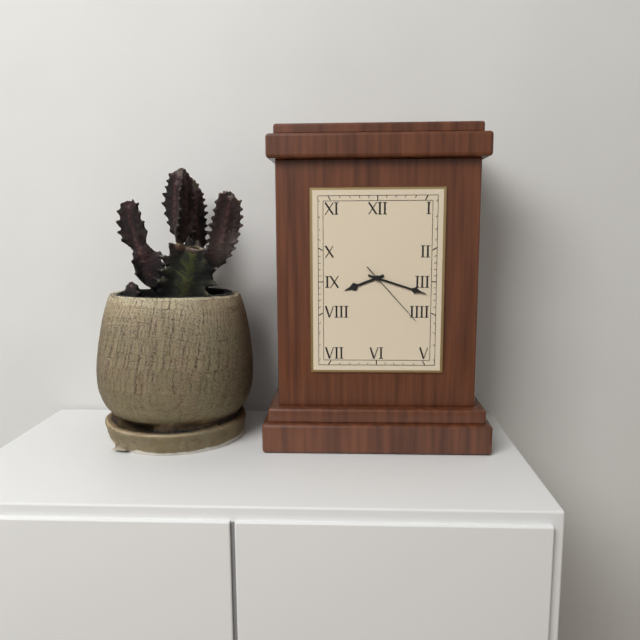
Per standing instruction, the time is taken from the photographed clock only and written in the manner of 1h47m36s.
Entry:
8h18m23s
